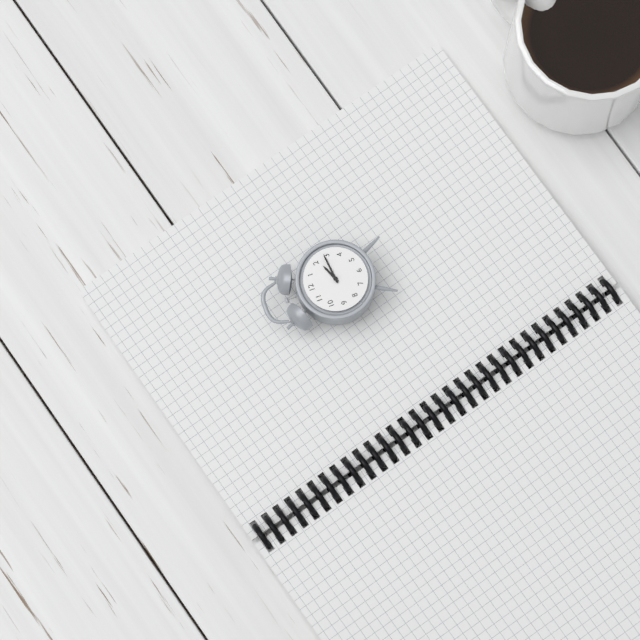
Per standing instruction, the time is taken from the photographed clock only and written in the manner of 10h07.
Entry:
2h14
